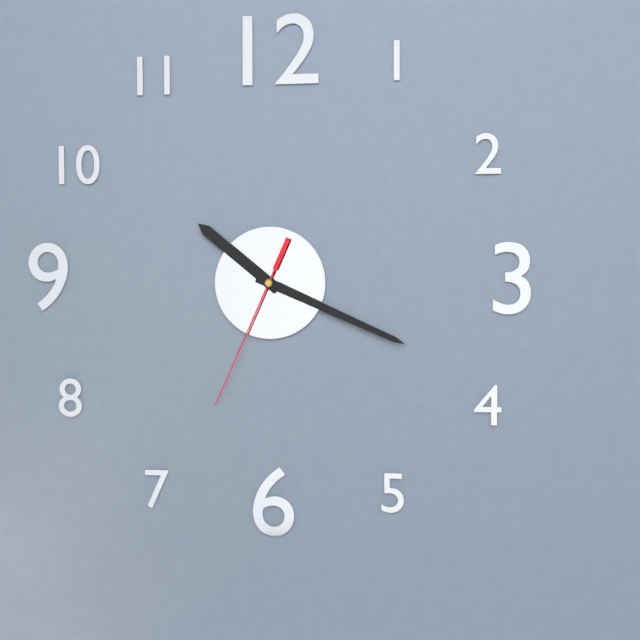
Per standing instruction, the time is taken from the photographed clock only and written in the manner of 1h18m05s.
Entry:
10h19m34s
